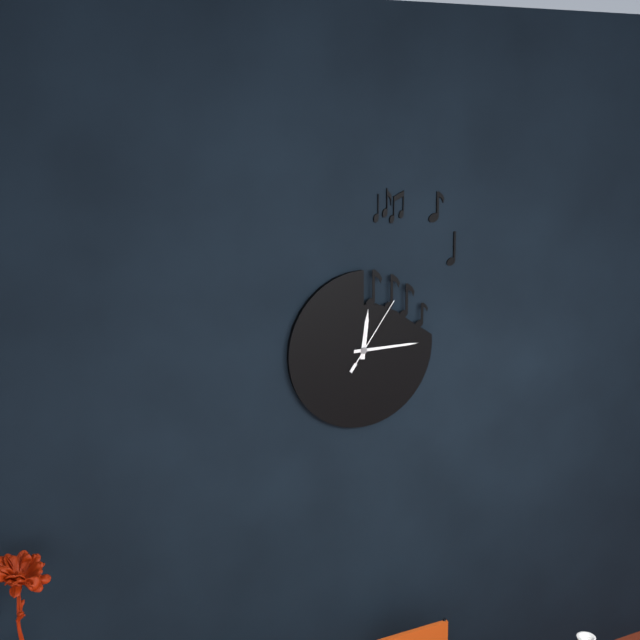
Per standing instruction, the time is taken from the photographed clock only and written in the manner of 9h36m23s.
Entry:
12h15m06s
